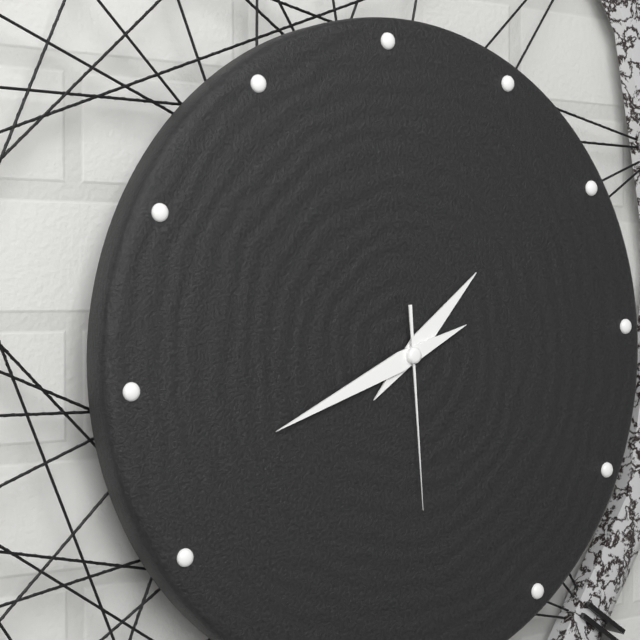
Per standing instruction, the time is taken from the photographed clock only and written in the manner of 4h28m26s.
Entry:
1h42m30s
